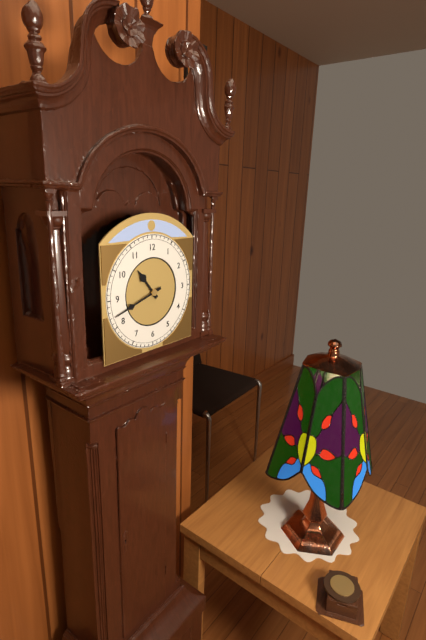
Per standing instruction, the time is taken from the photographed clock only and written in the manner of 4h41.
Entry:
10h42
